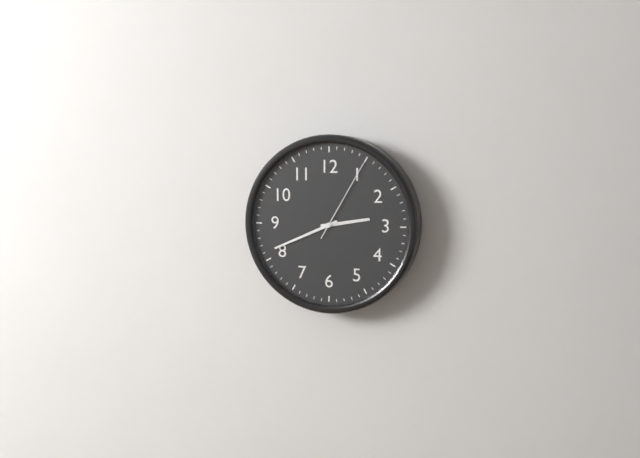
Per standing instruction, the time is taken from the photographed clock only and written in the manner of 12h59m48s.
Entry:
2h41m05s
